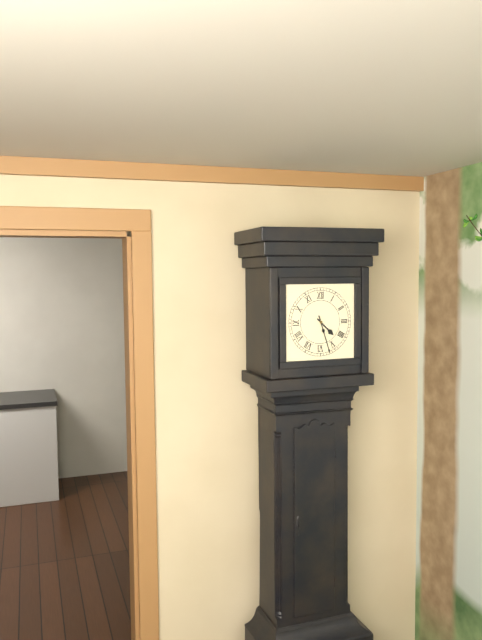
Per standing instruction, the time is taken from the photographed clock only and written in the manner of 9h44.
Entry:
4h27
